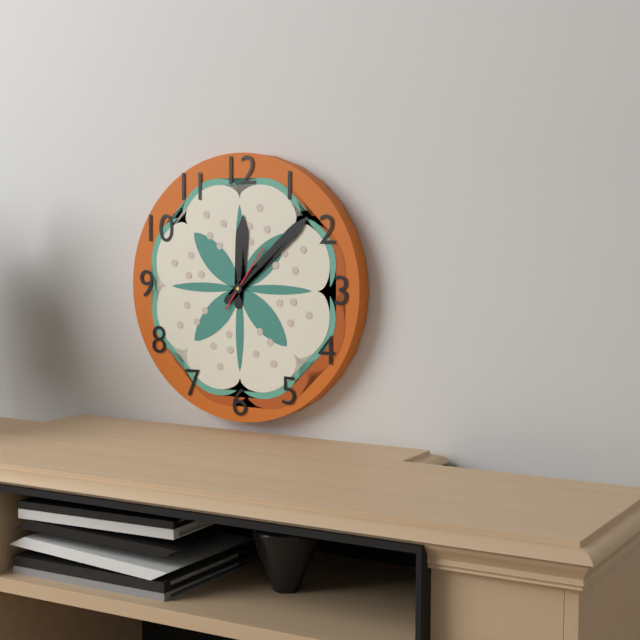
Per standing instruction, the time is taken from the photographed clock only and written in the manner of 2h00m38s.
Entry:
12h08m06s
